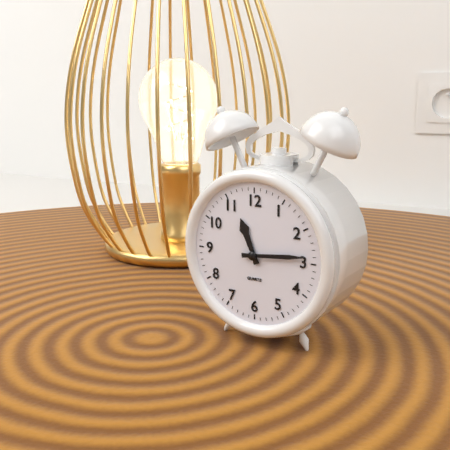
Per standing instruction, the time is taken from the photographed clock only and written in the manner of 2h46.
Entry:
11h14
